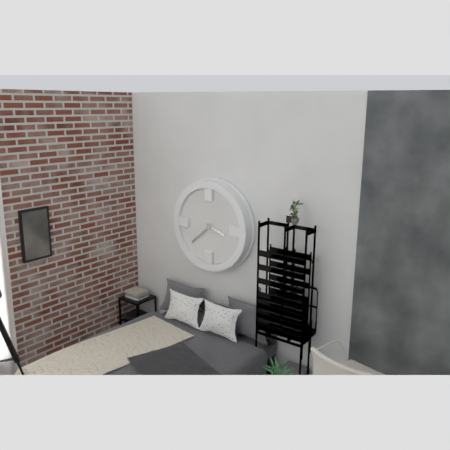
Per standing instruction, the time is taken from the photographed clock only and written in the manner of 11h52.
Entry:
3h38
